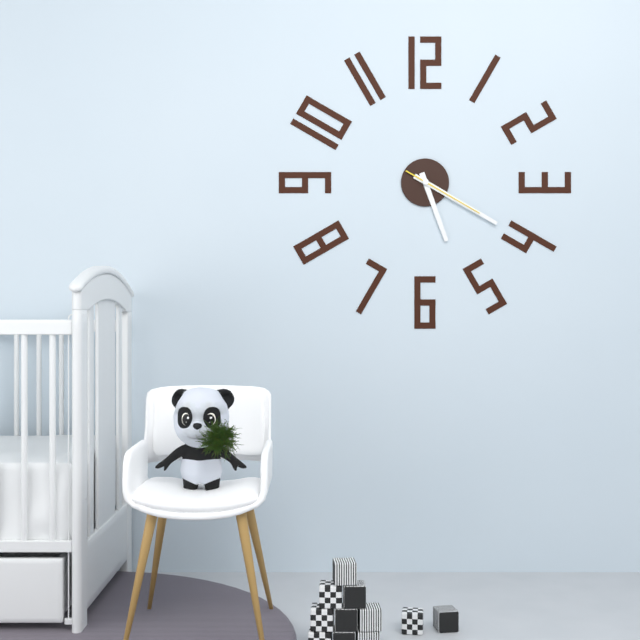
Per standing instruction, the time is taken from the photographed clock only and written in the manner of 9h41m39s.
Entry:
5h20m20s
